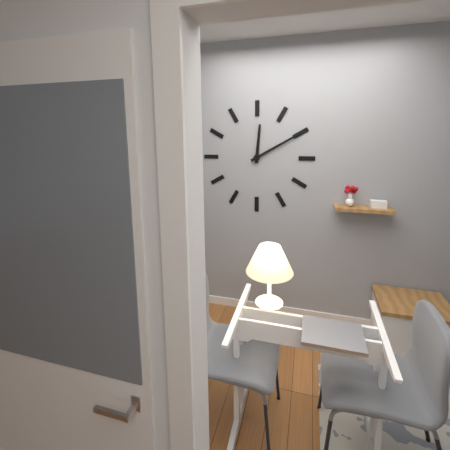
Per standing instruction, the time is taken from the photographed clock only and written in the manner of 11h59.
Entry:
12h10
